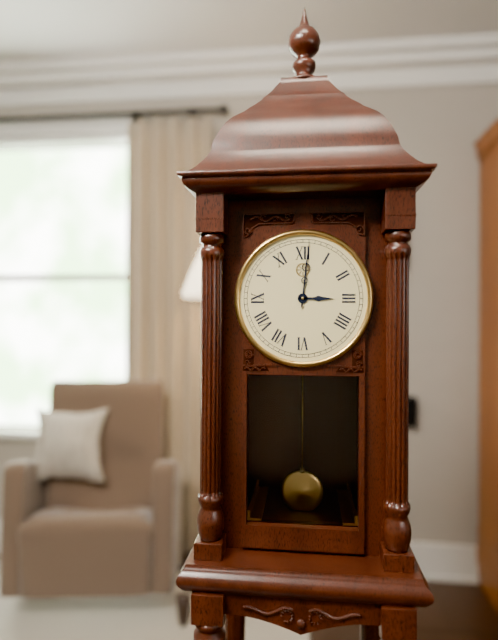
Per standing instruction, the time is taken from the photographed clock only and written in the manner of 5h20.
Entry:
3h01
